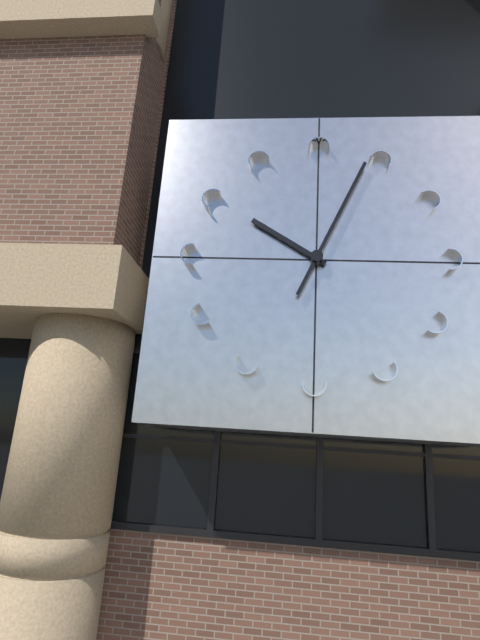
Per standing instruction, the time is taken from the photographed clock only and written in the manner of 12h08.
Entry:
10h04
